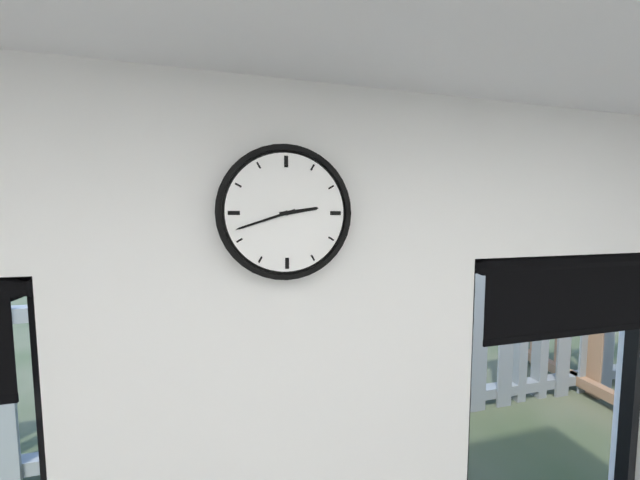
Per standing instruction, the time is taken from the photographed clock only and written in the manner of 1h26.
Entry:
2h42
